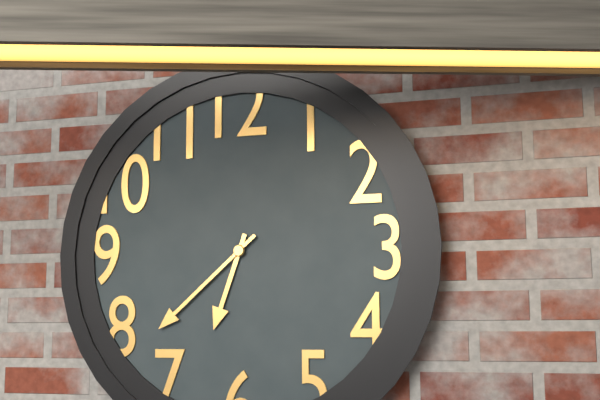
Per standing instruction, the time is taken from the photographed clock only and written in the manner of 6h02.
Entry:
6h38
